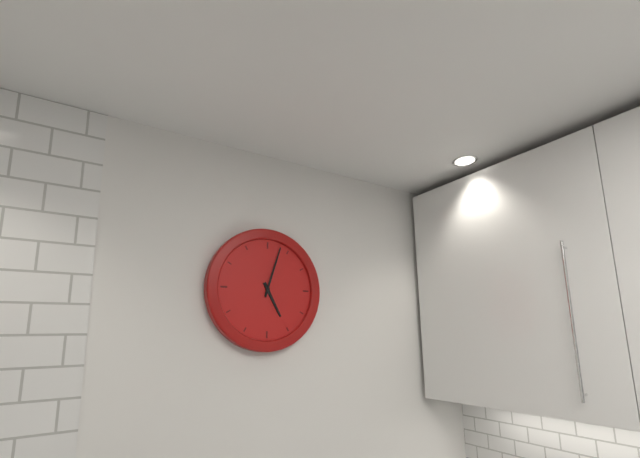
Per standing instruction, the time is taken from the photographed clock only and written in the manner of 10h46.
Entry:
5h03
